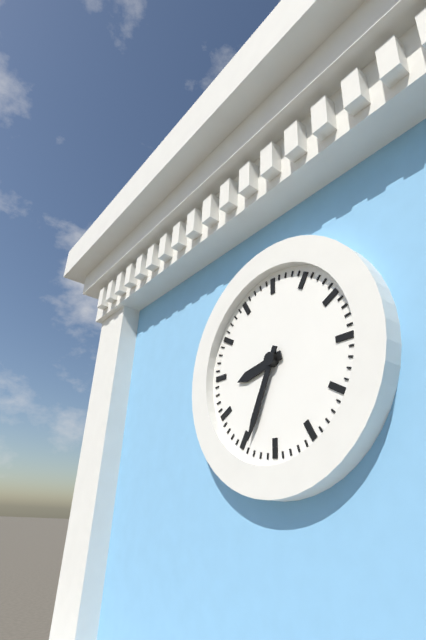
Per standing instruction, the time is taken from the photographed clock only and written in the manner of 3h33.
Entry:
8h34
